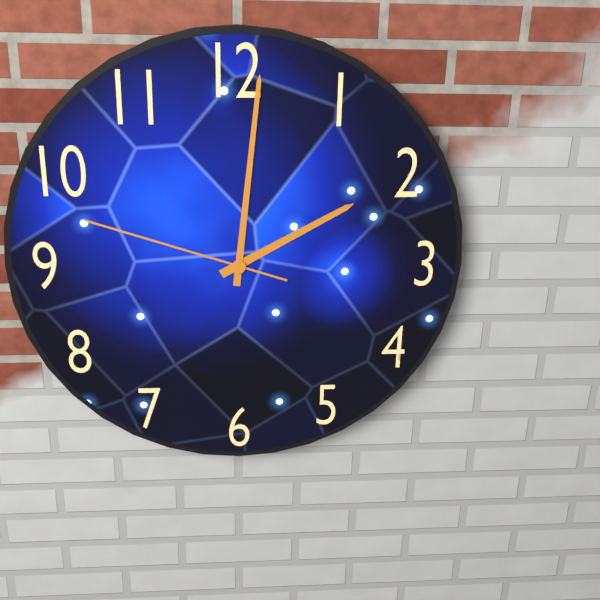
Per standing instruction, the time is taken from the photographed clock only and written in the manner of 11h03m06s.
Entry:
2h01m48s
